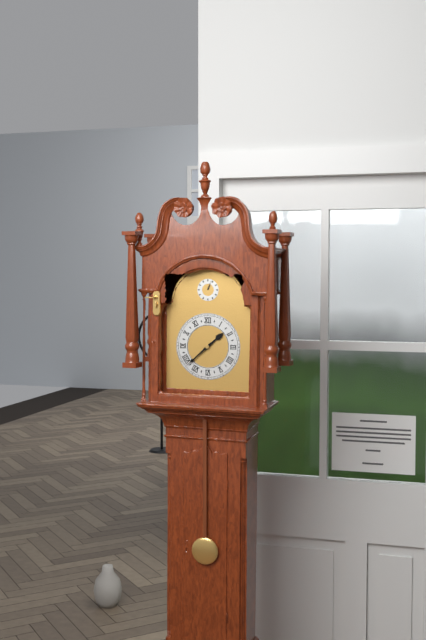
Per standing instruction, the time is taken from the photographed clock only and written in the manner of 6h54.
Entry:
1h38
